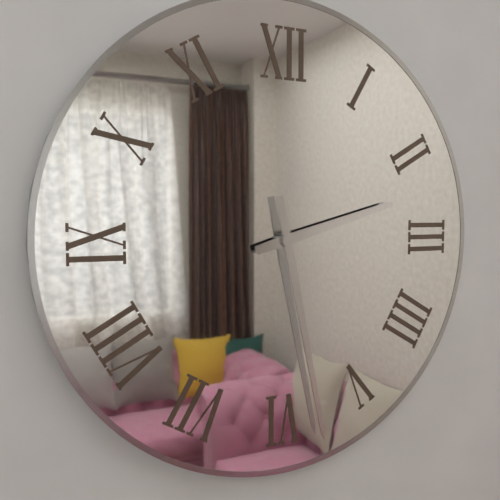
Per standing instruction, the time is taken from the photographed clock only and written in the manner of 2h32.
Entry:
2h28
